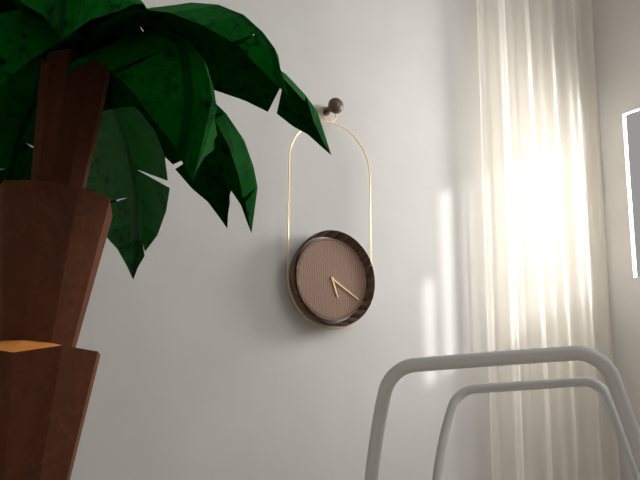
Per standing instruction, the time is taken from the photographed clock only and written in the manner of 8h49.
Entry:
5h20
